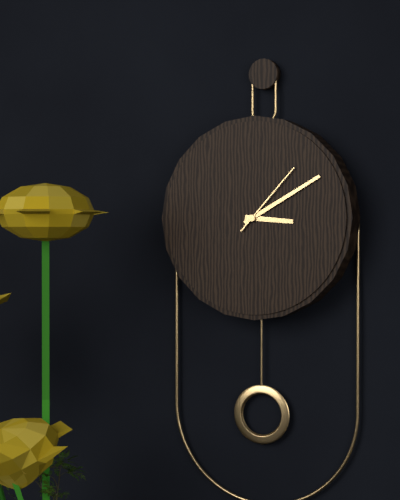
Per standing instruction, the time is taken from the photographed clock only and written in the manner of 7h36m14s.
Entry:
3h10m07s
